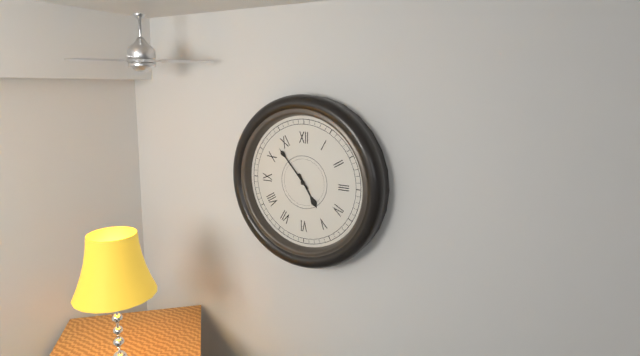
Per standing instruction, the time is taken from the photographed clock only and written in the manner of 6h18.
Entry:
4h53
